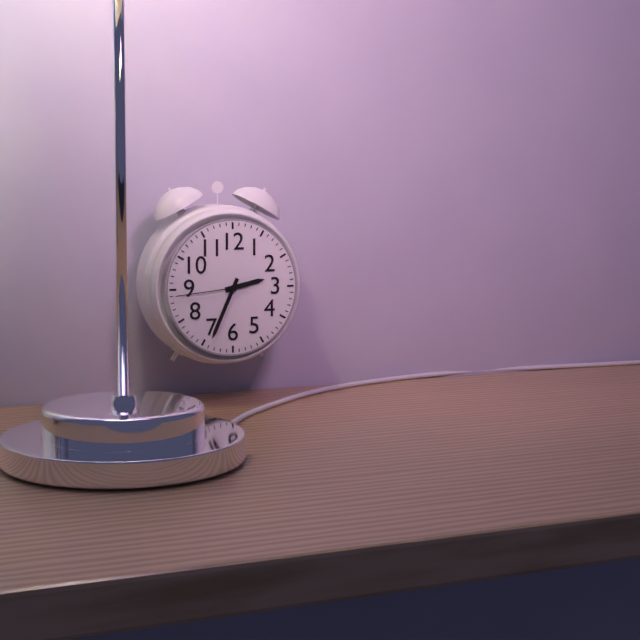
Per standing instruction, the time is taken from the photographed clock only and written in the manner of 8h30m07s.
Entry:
2h34m44s
